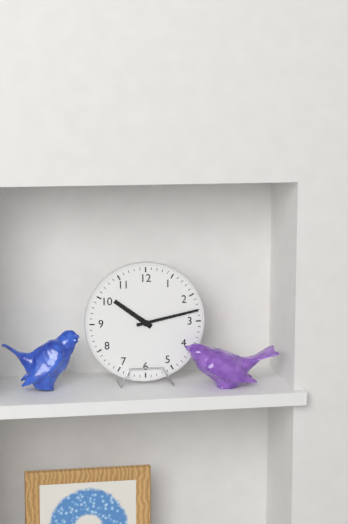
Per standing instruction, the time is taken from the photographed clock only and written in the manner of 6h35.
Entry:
10h13
